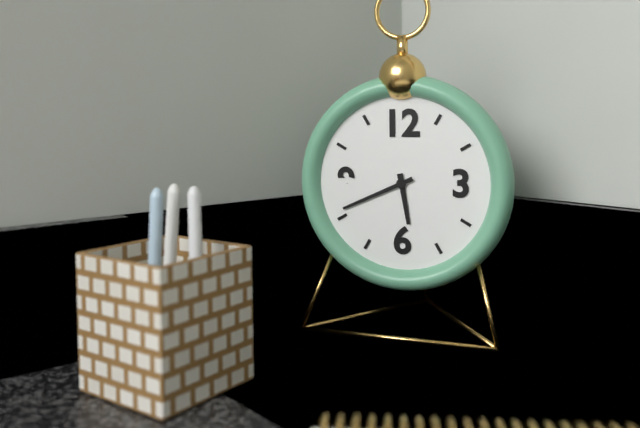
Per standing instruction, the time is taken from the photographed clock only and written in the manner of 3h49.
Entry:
5h41
